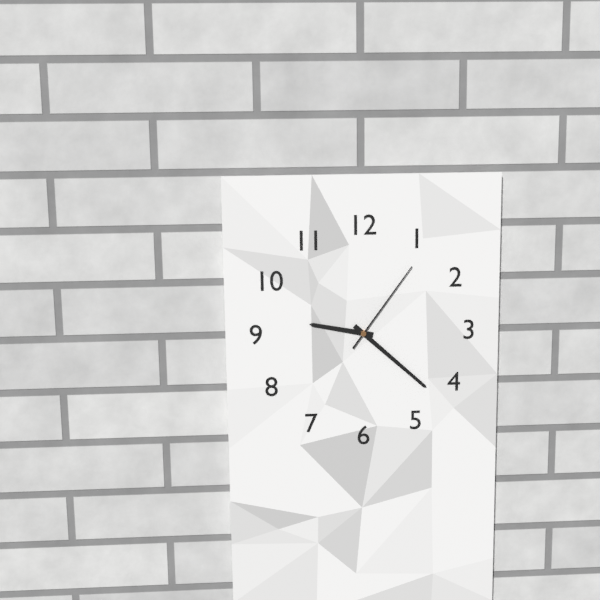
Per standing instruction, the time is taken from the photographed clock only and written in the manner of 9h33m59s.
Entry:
9h22m06s
